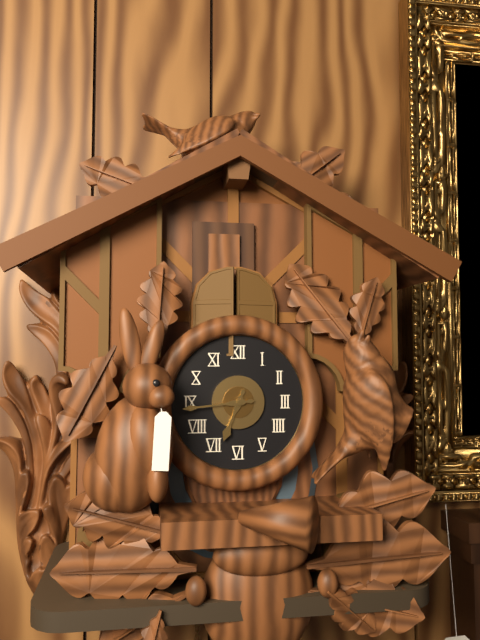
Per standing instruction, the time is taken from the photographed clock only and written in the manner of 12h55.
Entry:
6h44
